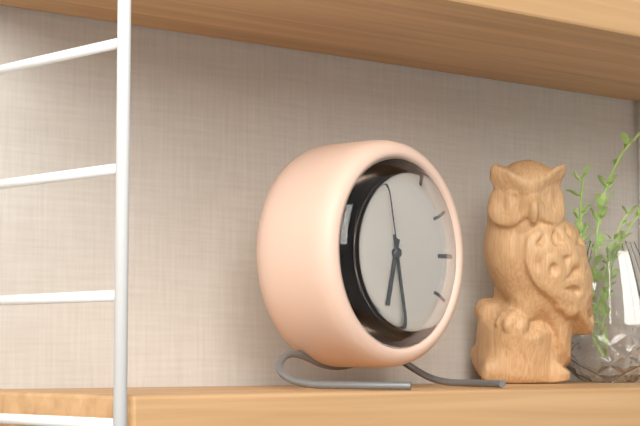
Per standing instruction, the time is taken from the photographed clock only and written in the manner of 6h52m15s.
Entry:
6h28m58s
